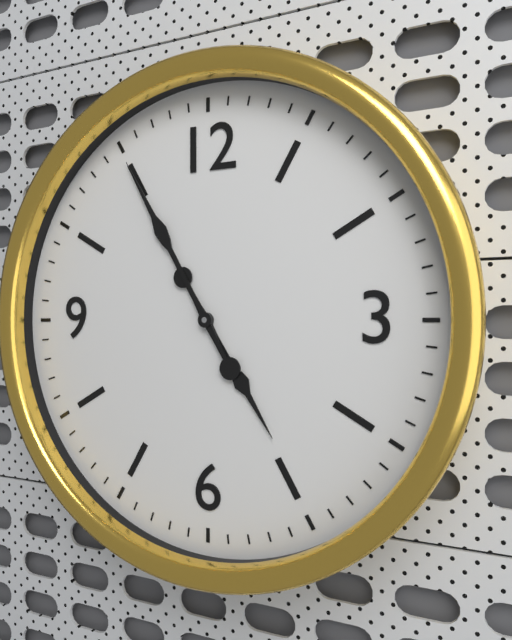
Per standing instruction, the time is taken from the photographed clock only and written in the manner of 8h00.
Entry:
4h55
